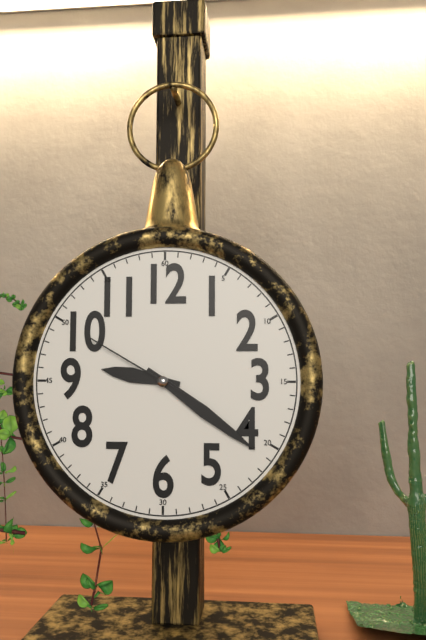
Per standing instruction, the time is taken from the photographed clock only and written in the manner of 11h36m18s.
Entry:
9h21m50s
